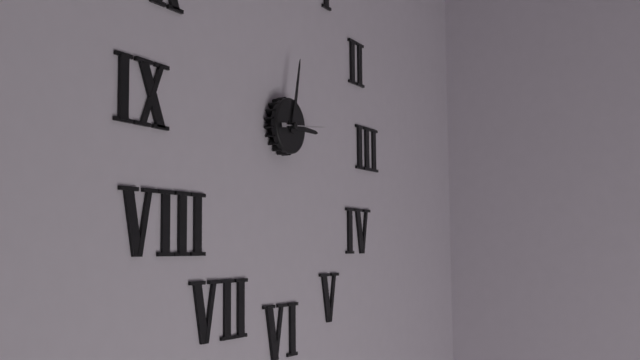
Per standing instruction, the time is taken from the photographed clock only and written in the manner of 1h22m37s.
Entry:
3h02m14s
